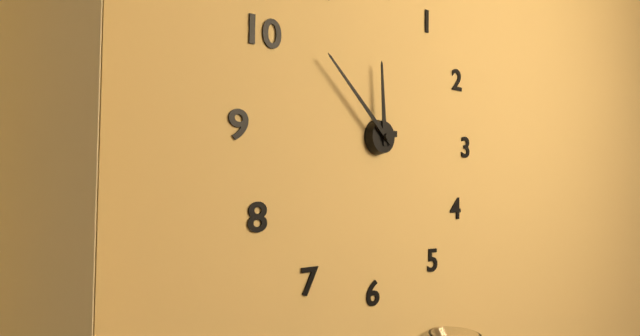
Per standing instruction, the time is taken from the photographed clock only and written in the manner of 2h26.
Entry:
11h52
